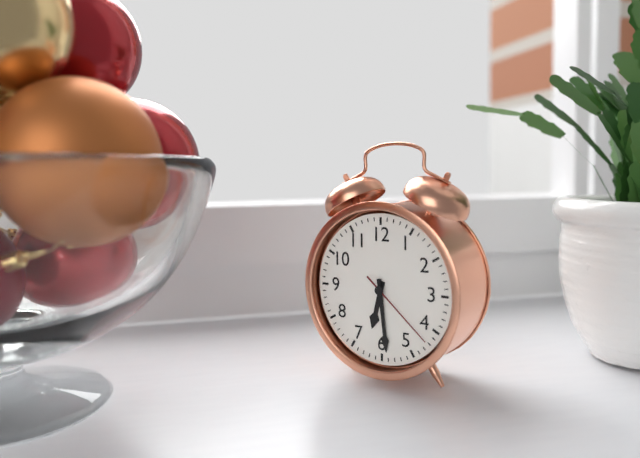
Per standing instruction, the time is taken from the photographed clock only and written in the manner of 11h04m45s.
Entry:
6h29m22s
